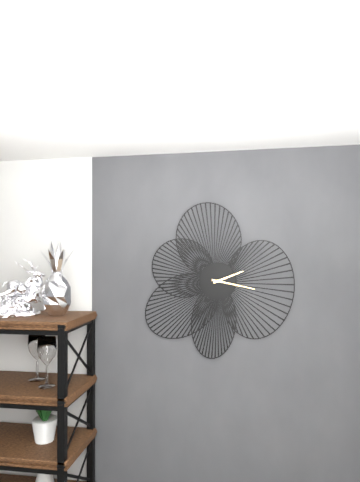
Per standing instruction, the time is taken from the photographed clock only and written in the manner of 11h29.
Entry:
2h17
